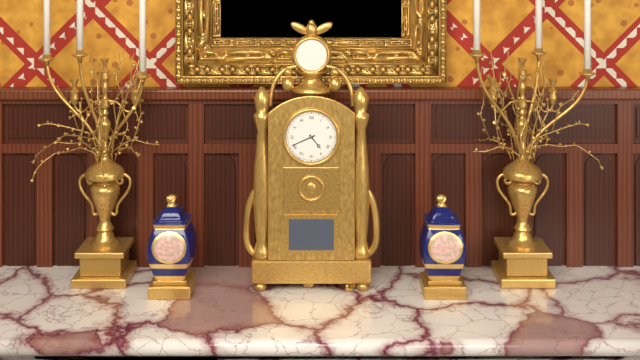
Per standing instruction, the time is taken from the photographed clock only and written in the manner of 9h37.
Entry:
4h41
